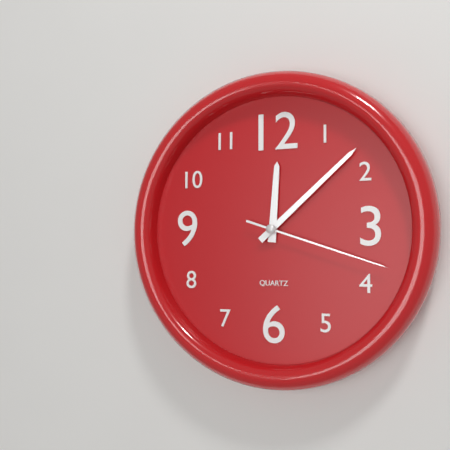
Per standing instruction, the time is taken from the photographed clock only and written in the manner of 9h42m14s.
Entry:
12h08m18s
